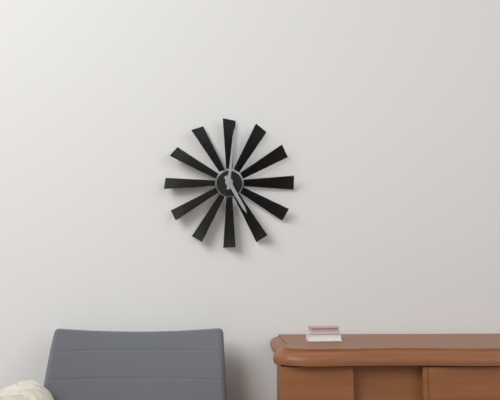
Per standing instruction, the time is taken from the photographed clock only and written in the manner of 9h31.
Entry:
5h01
